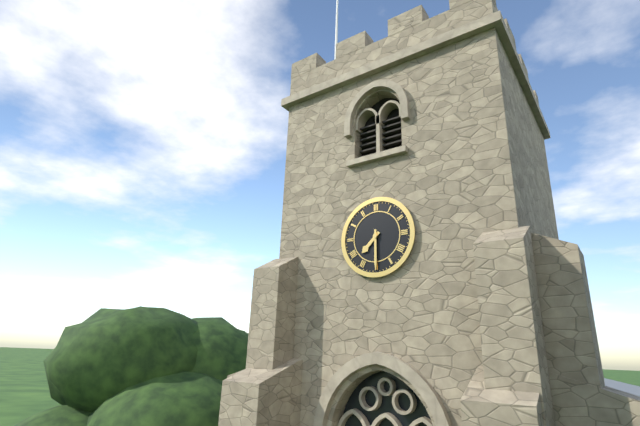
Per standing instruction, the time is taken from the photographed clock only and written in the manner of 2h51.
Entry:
7h30
